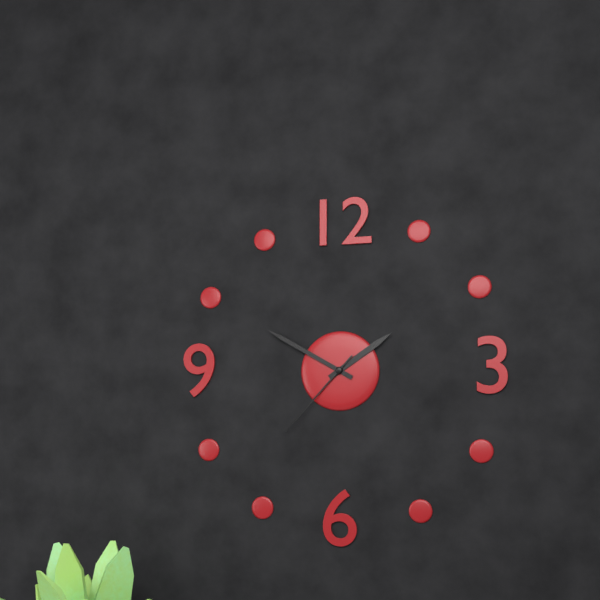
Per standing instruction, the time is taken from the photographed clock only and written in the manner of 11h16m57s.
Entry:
1h50m37s
